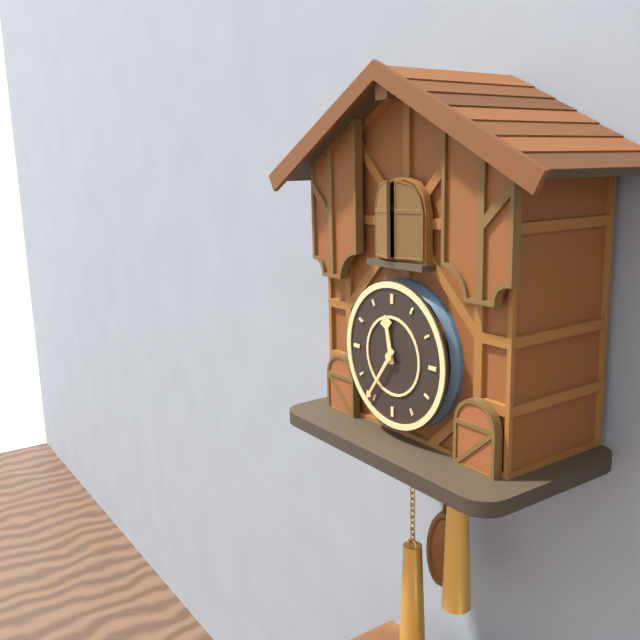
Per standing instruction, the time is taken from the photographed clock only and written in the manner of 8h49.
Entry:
11h36
